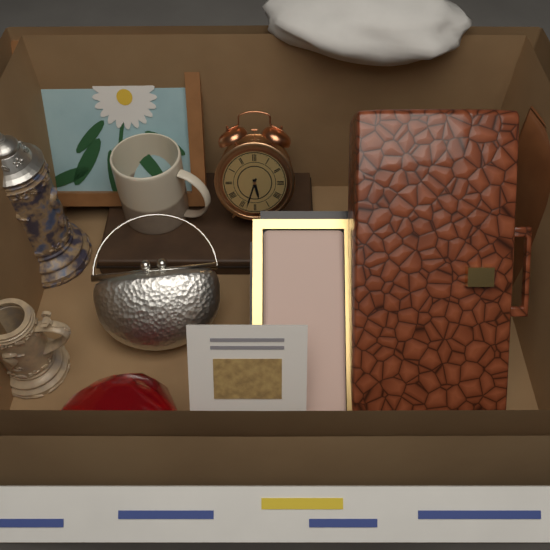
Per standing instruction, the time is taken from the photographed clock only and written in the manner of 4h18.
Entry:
5h33
